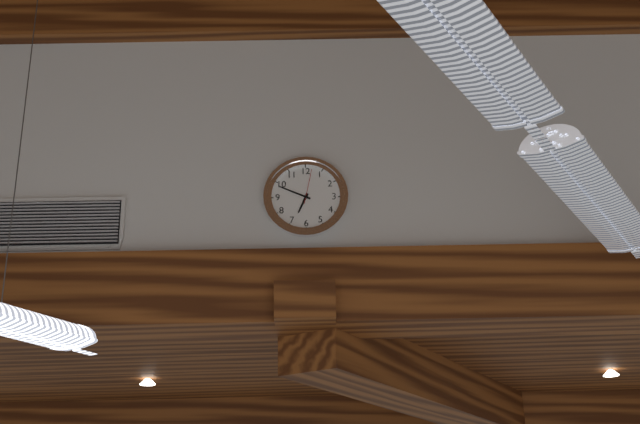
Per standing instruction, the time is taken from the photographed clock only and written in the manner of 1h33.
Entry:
6h49
